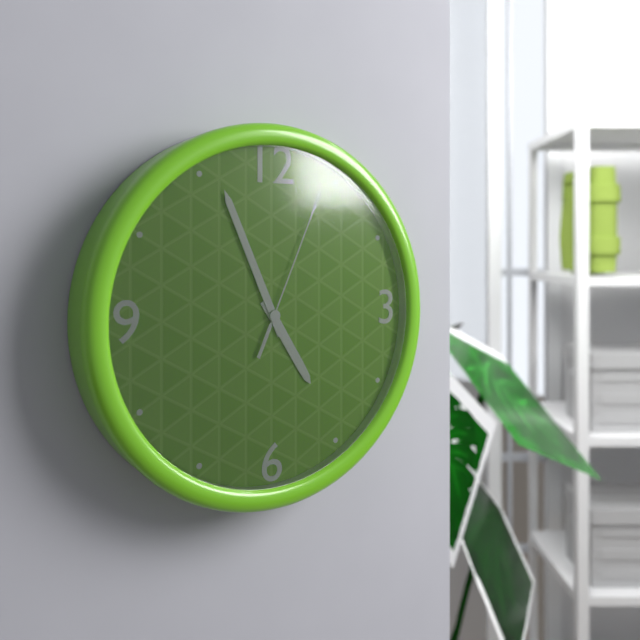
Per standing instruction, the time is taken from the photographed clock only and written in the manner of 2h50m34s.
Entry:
4h56m04s
